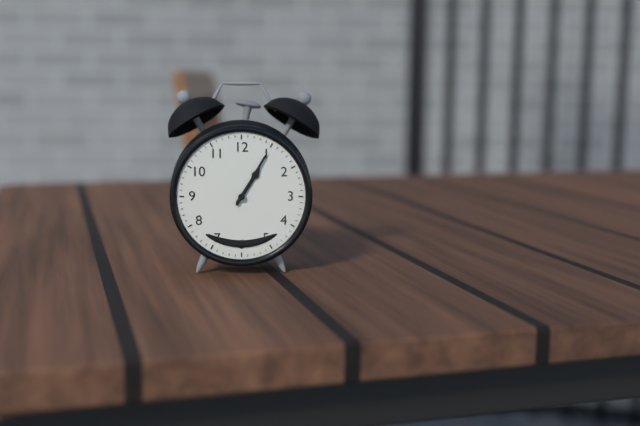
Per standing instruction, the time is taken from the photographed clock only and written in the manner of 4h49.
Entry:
1h05
